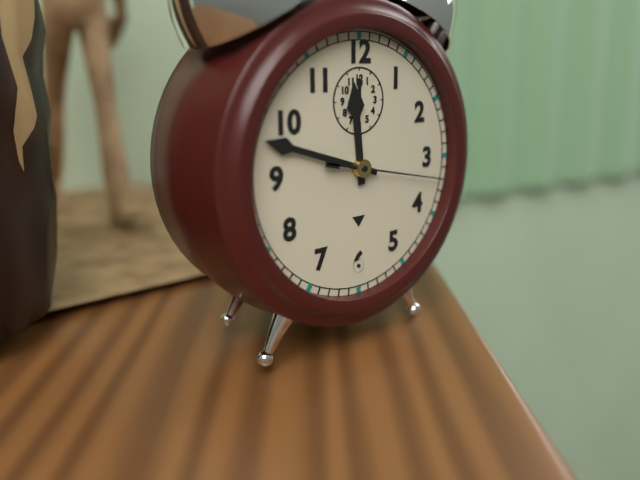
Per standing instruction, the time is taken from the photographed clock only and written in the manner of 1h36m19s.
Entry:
11h48m17s
